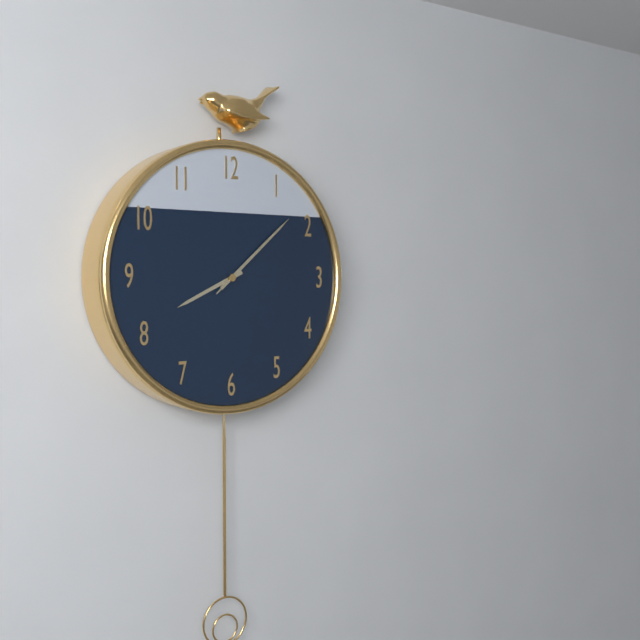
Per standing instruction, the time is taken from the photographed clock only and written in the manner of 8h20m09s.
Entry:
8h08m08s
